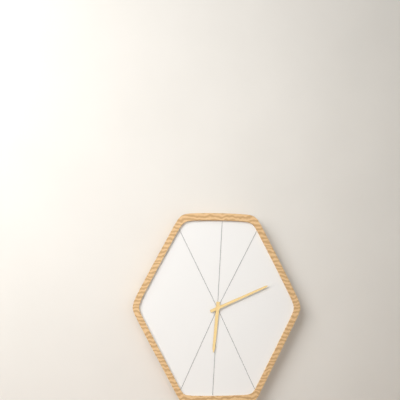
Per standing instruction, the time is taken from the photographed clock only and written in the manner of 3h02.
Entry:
6h11
